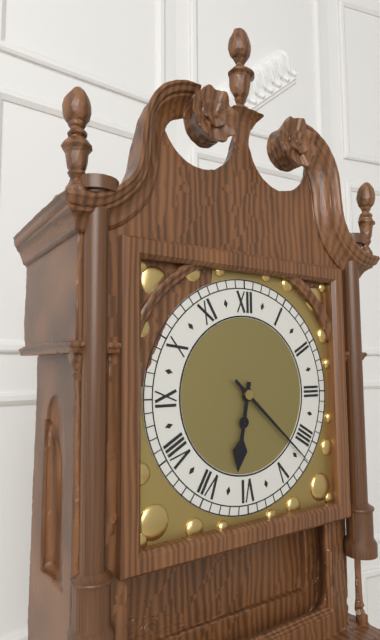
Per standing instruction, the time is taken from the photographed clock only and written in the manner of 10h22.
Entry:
6h22
